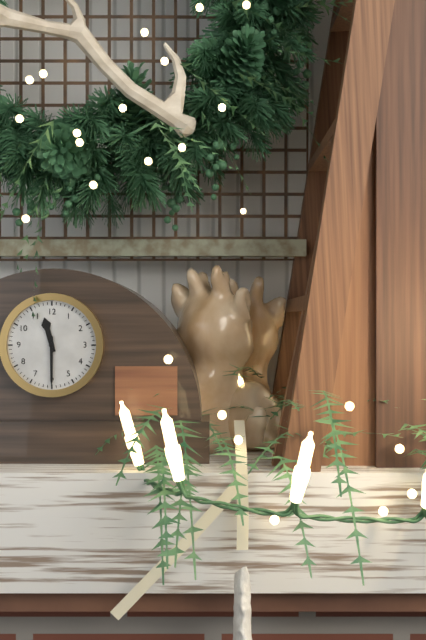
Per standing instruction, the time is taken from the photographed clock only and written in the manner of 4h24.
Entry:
11h30
